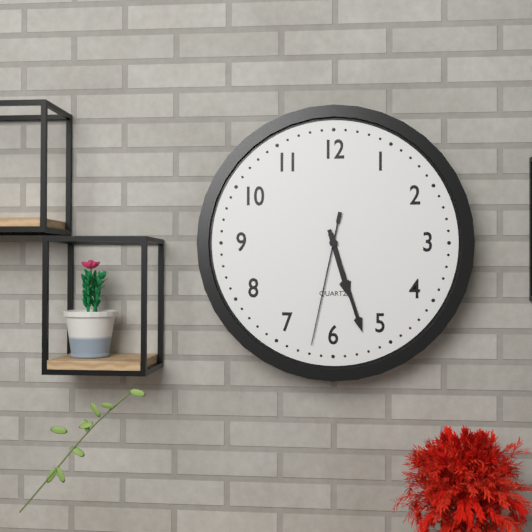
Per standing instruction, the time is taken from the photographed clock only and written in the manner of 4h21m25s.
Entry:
5h27m32s
